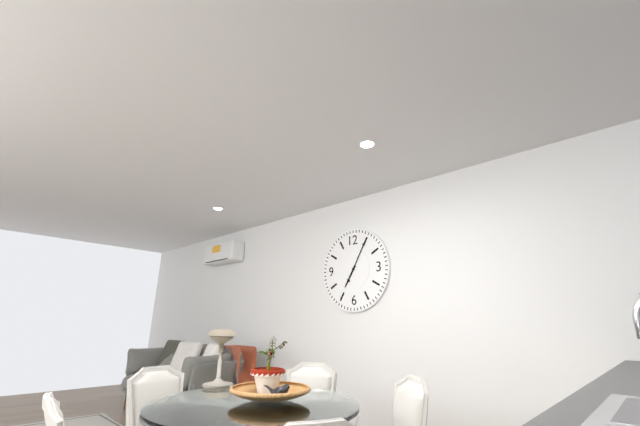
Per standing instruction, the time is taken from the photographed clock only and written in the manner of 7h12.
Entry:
7h05
